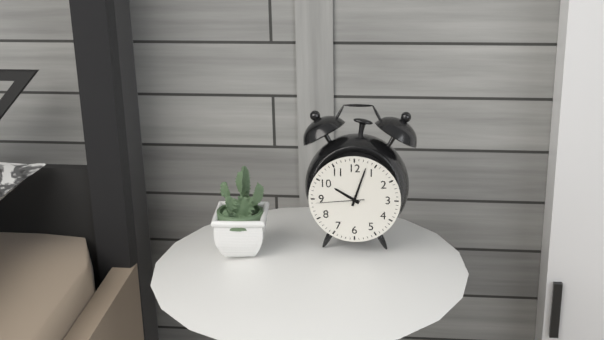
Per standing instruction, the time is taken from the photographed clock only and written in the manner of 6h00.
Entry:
10h03
